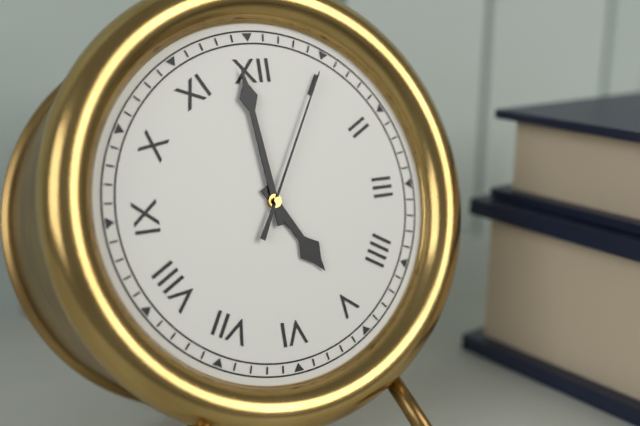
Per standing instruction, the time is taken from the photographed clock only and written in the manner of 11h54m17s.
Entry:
4h59m05s
